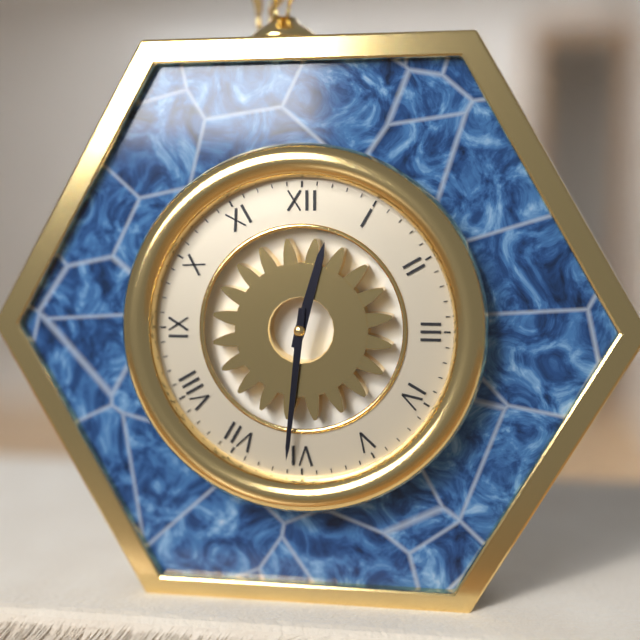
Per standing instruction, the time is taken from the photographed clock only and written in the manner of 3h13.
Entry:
12h31
